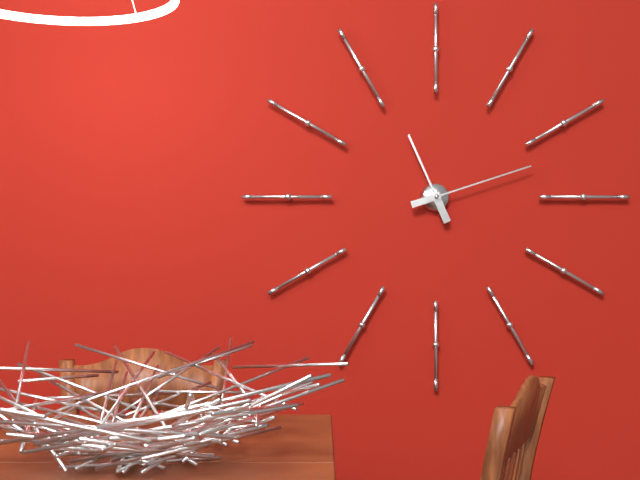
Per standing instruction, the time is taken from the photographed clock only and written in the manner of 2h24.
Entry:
11h12
